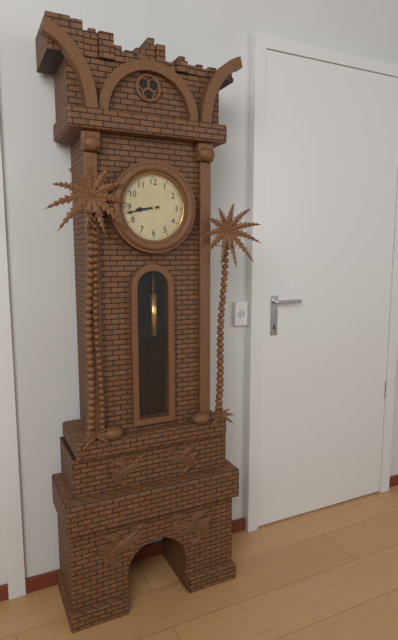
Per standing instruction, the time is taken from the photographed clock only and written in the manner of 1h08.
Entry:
8h43
